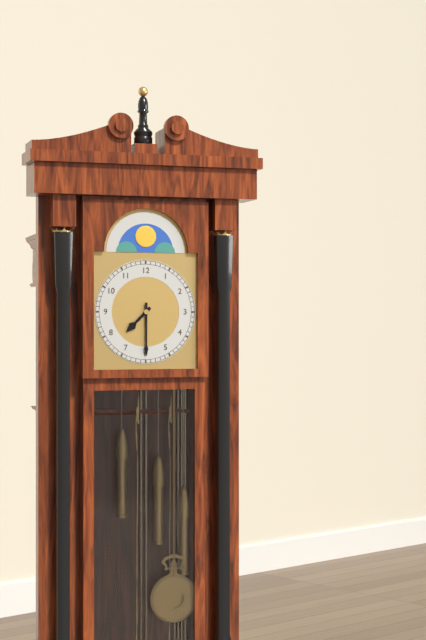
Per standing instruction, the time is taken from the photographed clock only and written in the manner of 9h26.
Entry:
7h30
